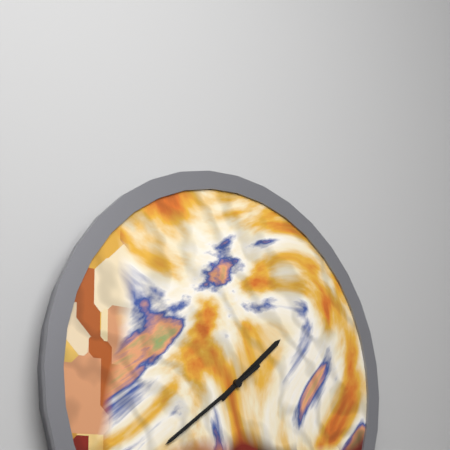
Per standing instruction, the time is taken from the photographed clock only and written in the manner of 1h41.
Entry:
1h39
